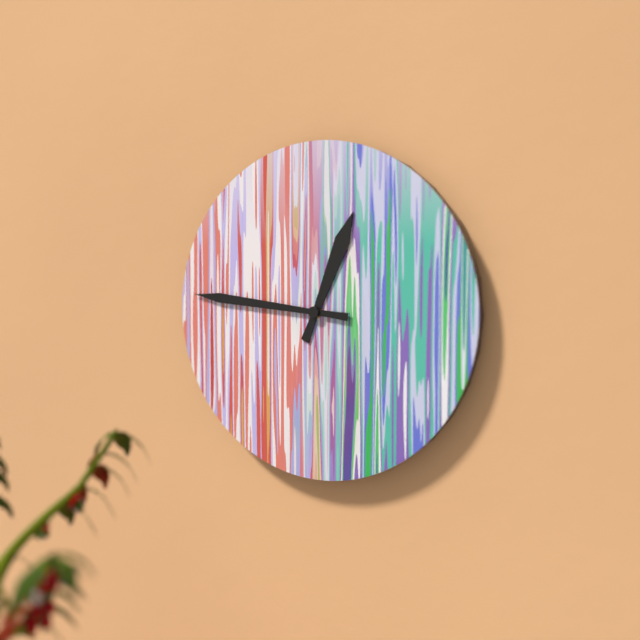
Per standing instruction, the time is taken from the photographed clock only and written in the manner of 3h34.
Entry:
12h46
